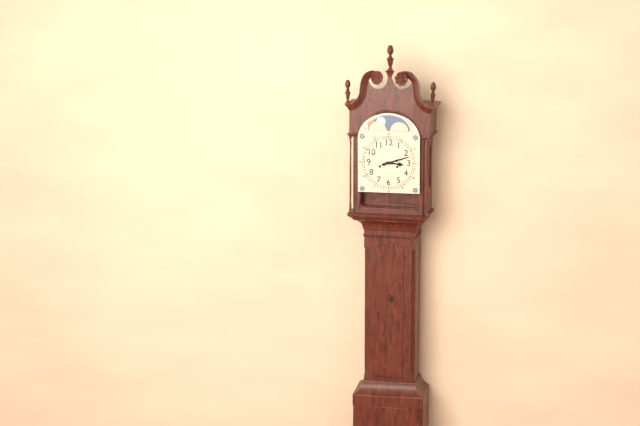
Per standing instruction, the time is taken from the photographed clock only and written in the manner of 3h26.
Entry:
3h12
